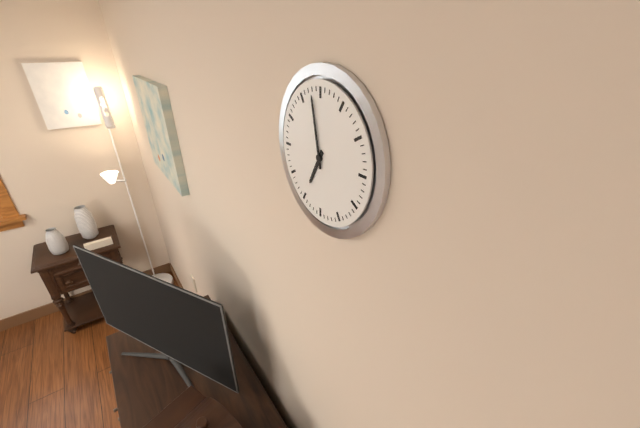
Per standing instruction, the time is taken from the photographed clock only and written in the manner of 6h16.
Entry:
6h58
